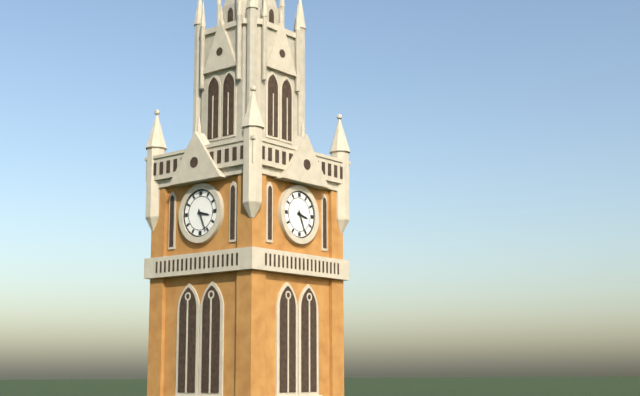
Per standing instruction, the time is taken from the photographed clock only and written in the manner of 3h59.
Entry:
3h26
